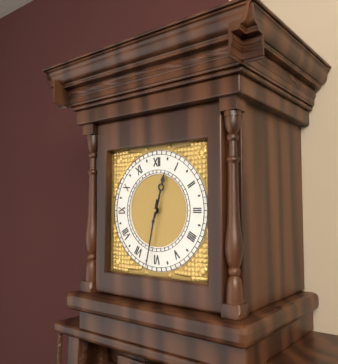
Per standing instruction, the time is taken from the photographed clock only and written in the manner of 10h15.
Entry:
12h32
